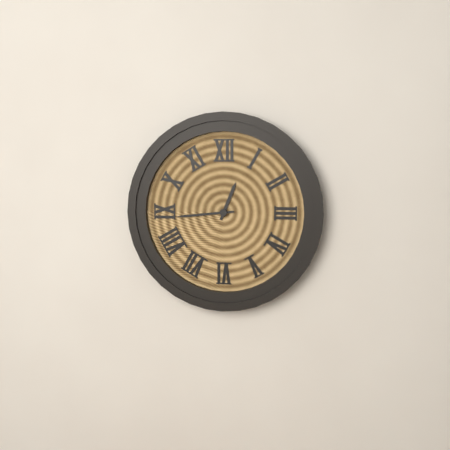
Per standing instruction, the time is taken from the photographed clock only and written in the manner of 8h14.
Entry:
12h44
